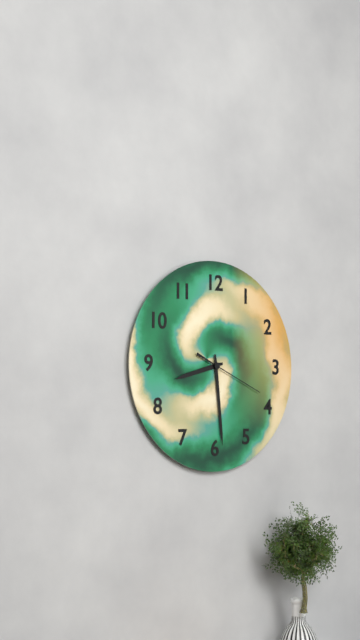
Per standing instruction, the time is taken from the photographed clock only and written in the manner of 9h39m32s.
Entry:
8h29m19s
